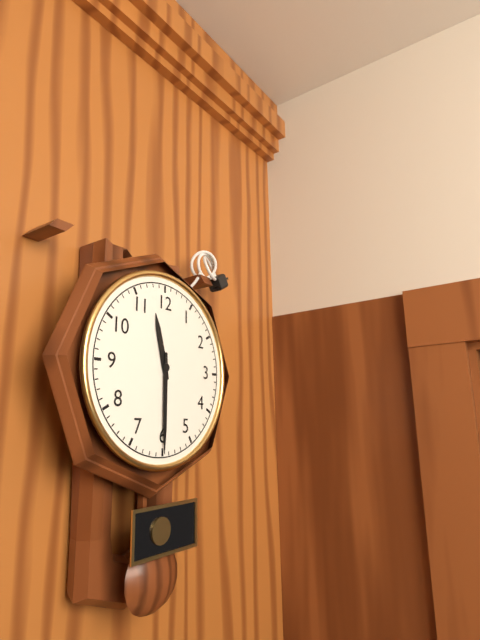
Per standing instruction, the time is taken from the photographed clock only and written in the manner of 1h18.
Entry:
11h30
